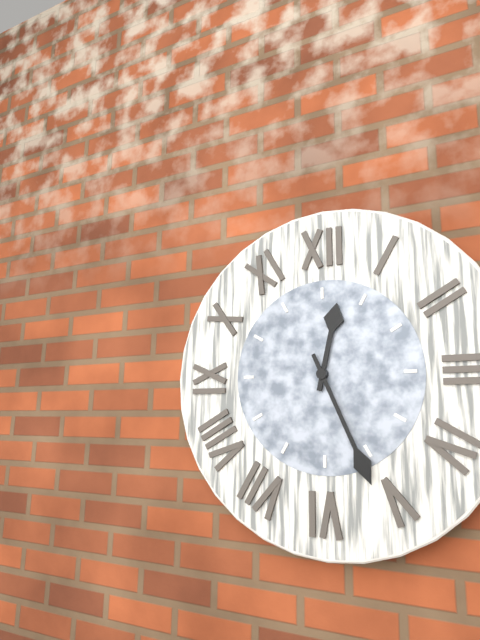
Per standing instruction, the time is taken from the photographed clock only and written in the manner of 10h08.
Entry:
12h26
